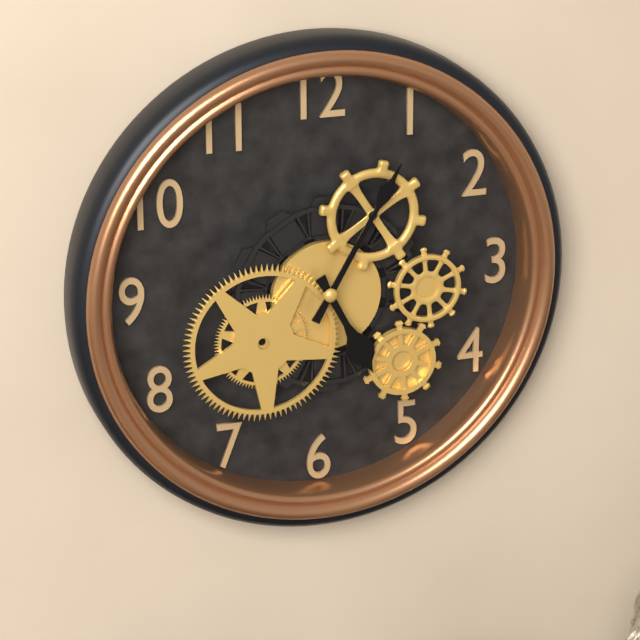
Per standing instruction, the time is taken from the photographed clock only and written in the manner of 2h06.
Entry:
5h05
